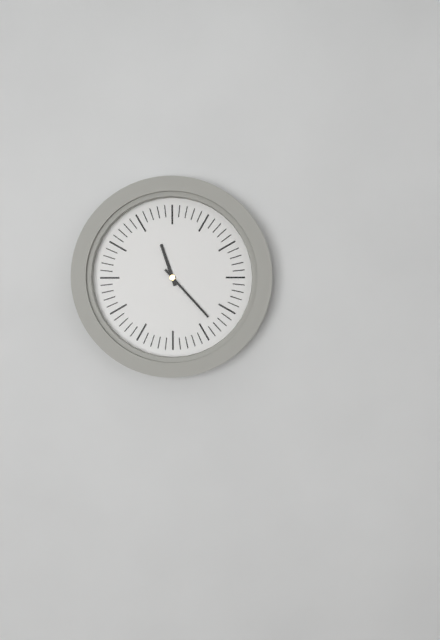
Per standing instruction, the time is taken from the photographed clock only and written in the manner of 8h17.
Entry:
11h23
